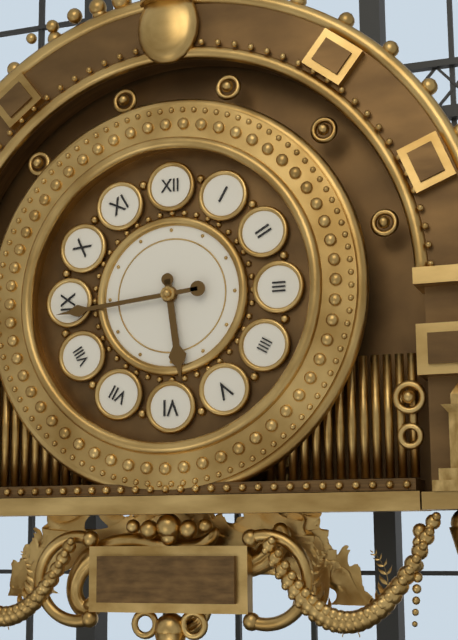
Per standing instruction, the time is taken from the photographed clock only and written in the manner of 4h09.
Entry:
5h44
